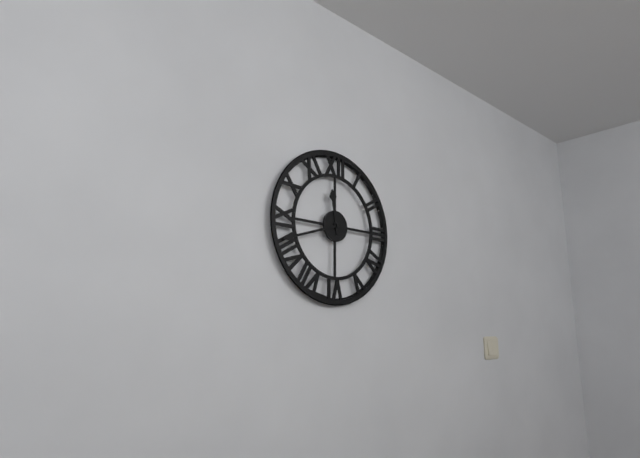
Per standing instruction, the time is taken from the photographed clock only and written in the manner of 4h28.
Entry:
11h42
